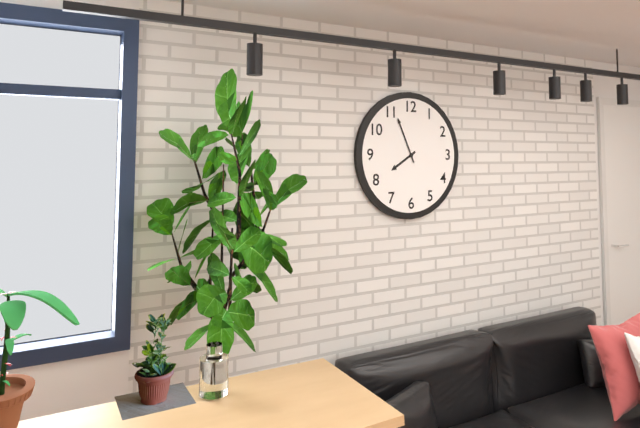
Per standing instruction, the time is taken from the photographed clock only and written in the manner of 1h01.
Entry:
7h56
